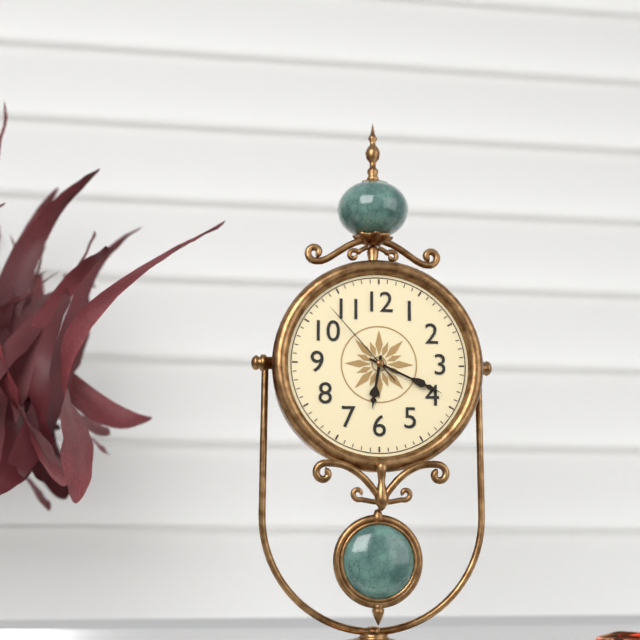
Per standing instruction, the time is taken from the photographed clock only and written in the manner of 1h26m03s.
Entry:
6h19m53s
